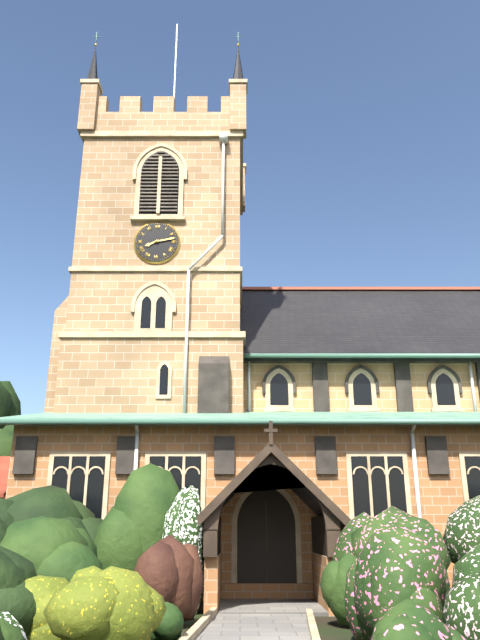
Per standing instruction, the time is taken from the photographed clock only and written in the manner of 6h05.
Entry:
8h13
